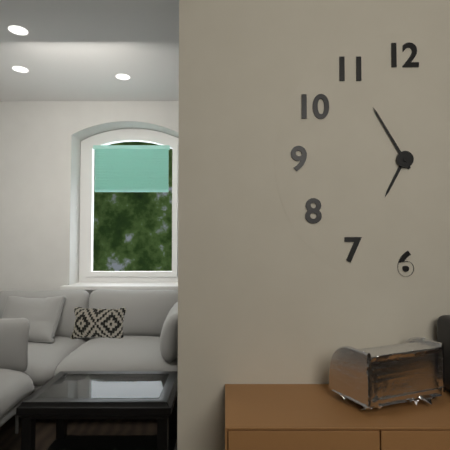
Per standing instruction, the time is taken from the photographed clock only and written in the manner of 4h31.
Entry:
6h55
